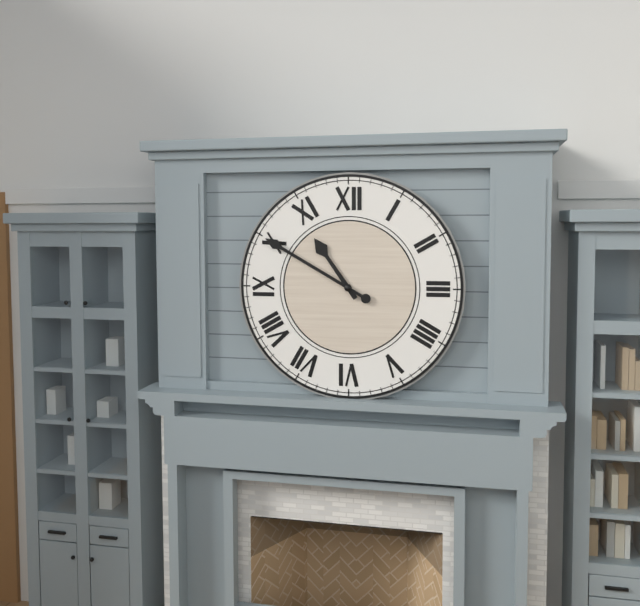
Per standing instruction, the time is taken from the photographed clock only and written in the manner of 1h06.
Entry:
10h50
